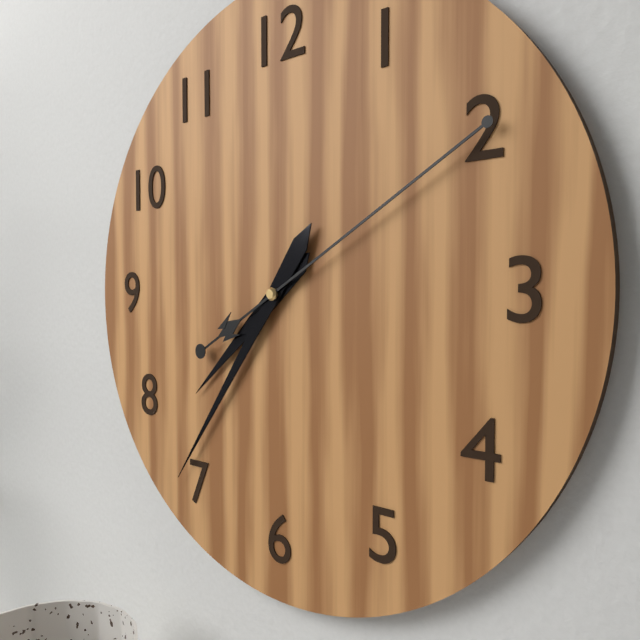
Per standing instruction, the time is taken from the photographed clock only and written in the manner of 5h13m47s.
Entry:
7h36m10s
